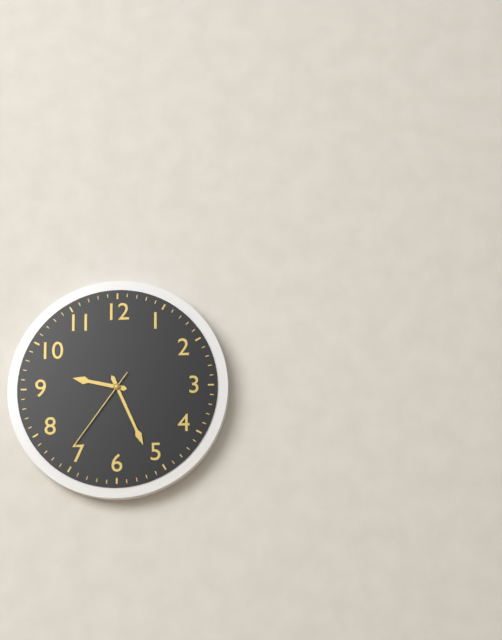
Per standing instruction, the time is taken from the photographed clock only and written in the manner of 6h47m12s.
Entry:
9h26m36s
